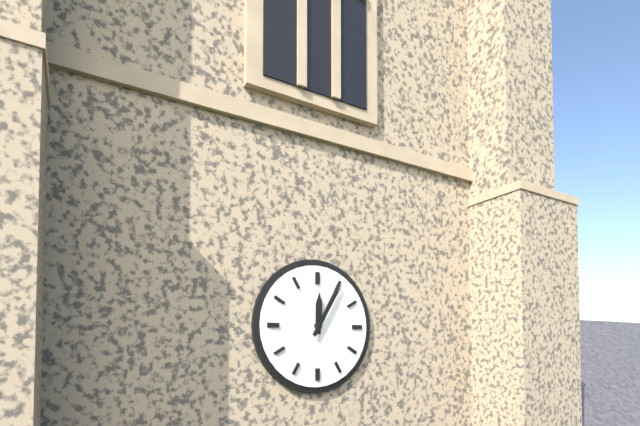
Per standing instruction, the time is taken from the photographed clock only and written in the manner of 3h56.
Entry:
12h05
